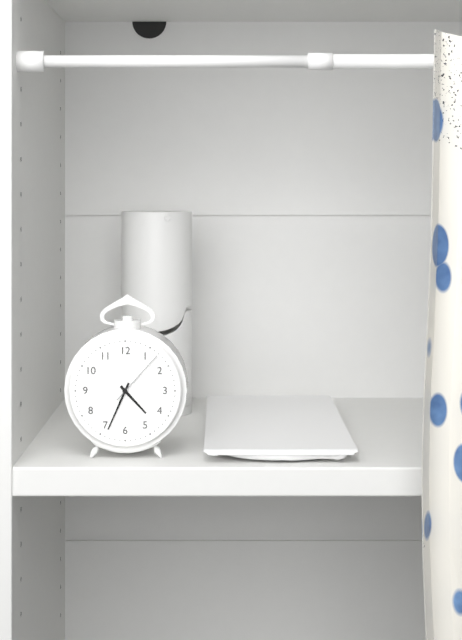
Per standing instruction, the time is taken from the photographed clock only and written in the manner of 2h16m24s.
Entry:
4h34m07s
